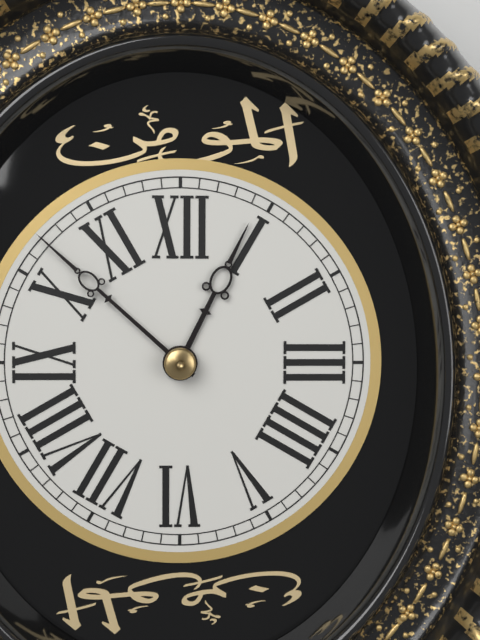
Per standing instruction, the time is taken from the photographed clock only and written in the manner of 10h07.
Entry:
12h52
